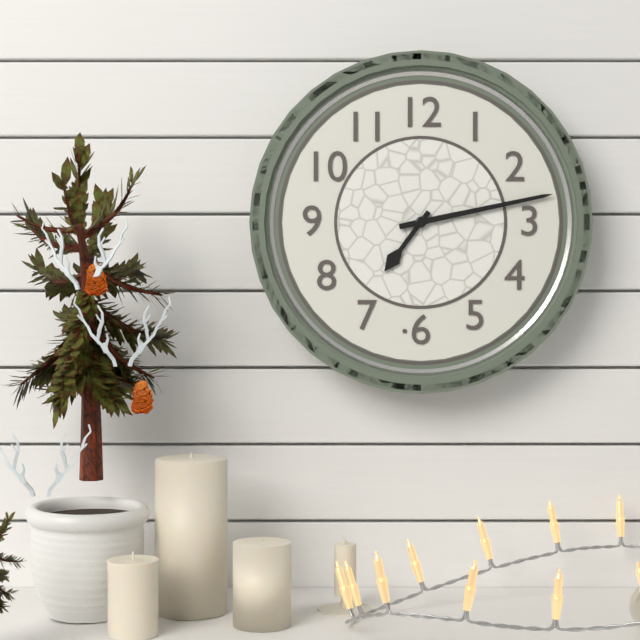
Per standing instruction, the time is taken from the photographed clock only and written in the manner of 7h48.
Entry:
7h13
